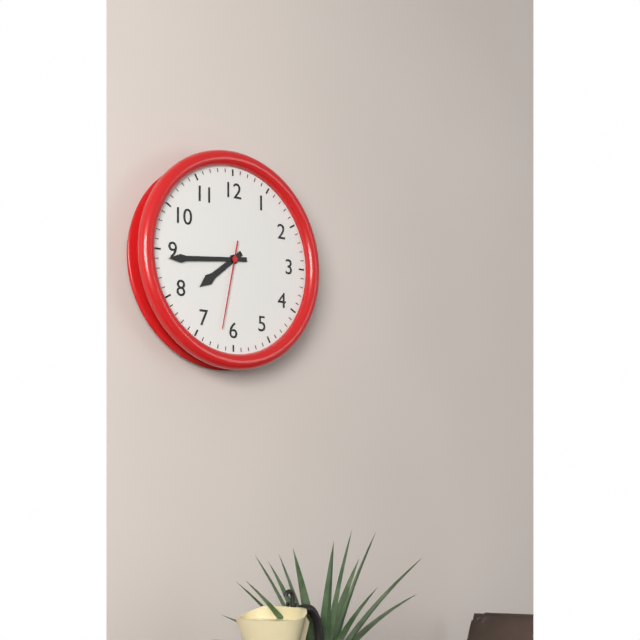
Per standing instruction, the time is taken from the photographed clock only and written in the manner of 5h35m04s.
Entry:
7h44m32s
